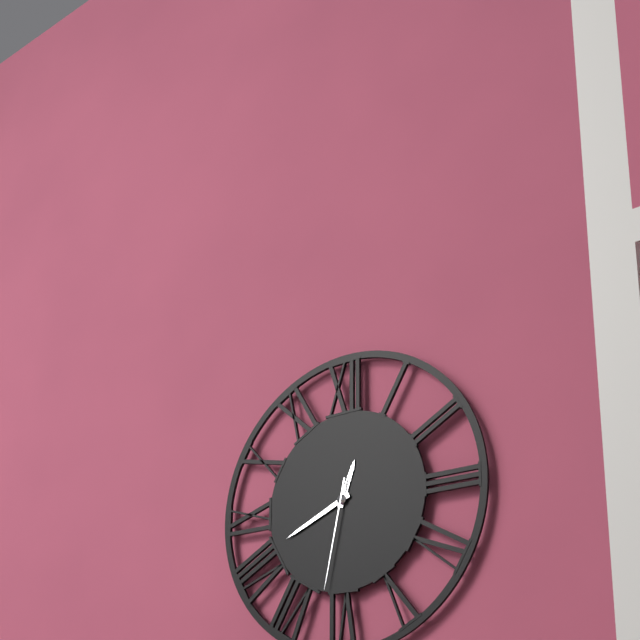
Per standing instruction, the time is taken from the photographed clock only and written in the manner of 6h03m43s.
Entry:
12h41m32s
